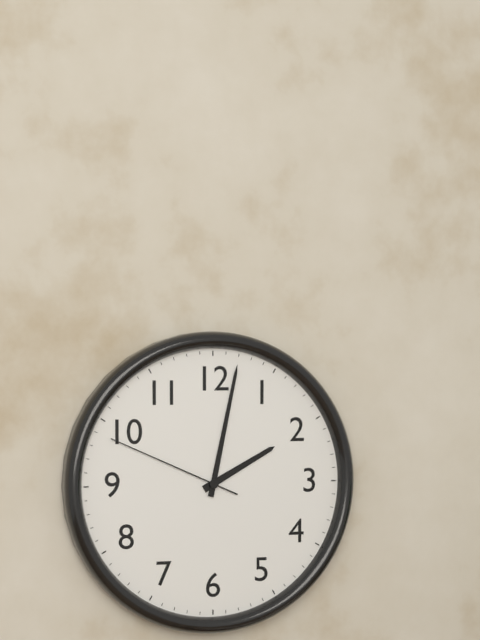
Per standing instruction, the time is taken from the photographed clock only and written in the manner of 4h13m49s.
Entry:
2h02m49s
